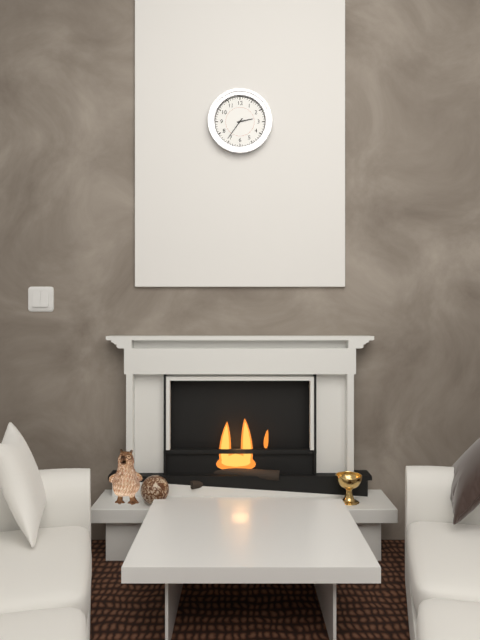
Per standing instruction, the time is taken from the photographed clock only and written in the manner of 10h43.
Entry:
2h36
